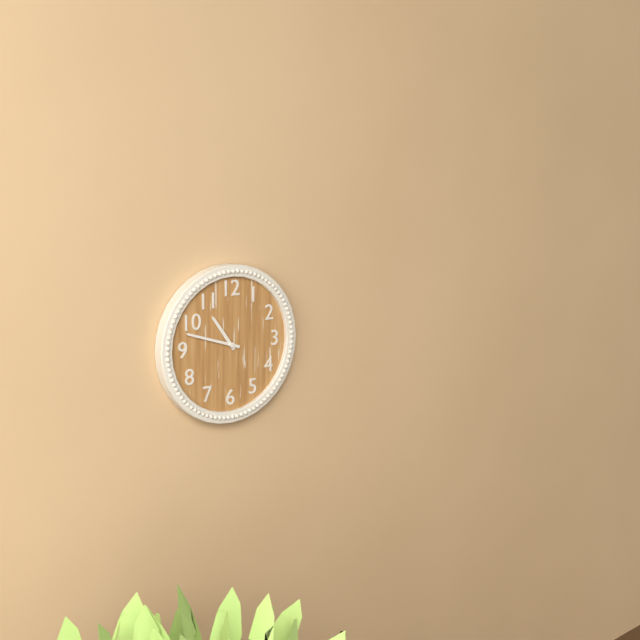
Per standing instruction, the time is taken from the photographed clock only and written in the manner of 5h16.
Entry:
10h48
